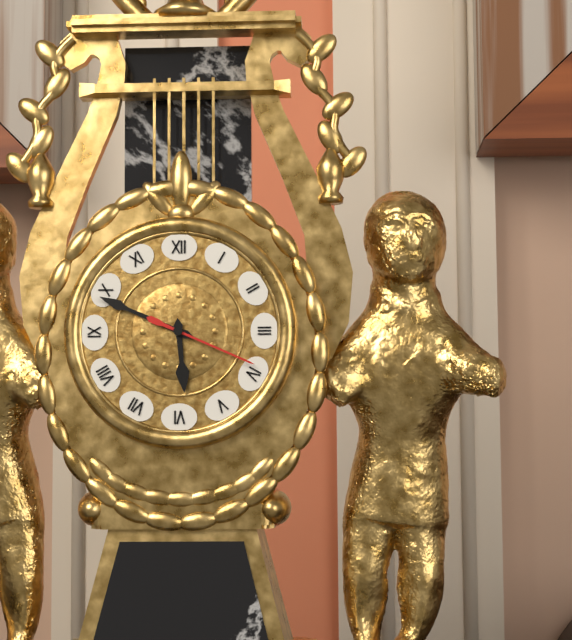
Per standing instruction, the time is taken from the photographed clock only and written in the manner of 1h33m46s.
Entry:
5h49m19s
